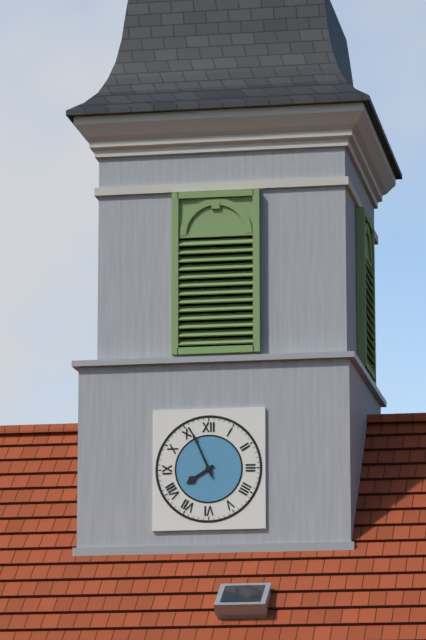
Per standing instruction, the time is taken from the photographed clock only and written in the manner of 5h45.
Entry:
7h56
